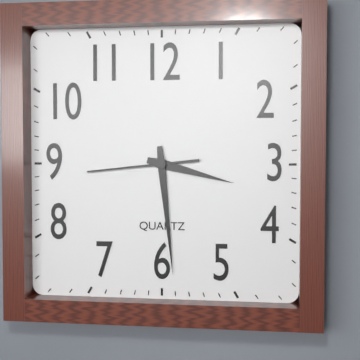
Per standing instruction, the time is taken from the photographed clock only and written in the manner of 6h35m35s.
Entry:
3h29m44s
